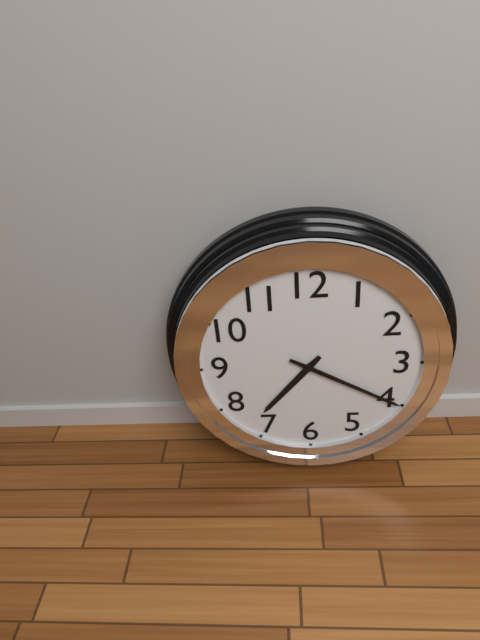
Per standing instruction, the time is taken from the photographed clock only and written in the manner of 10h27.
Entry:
7h20
